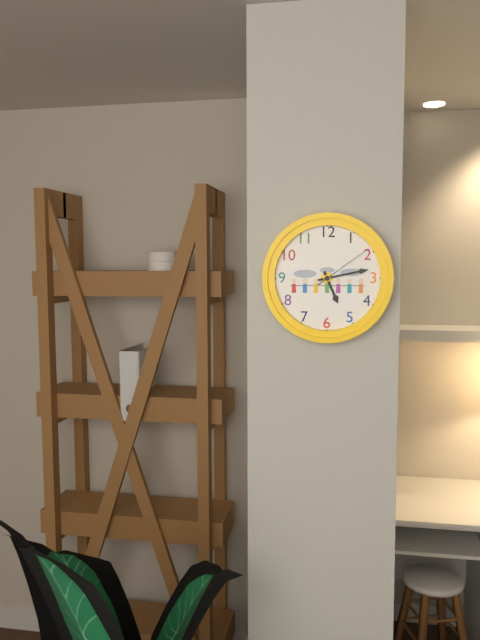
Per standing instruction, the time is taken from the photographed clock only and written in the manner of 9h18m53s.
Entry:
5h13m09s
